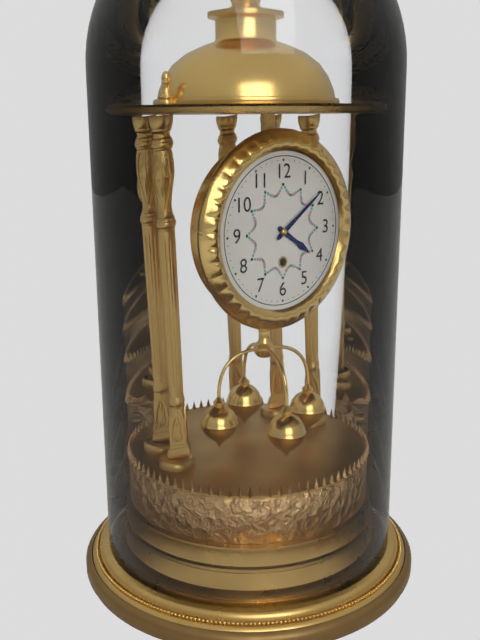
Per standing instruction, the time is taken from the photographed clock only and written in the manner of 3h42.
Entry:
4h09
